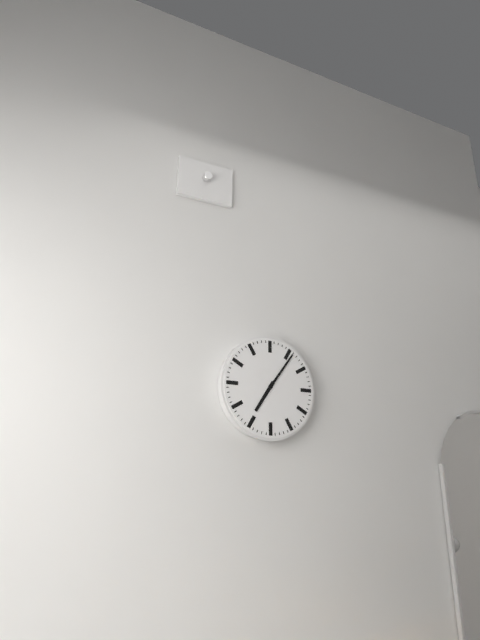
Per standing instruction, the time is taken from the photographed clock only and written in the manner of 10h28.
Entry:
7h06
